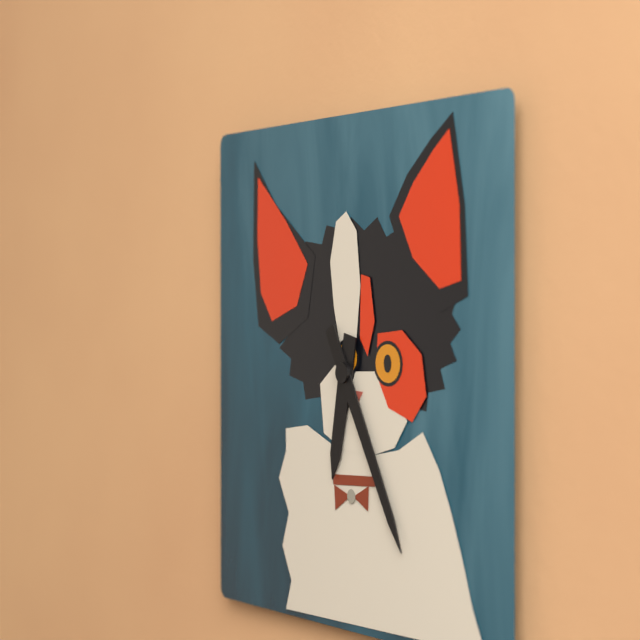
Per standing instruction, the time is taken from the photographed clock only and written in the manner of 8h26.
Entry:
6h25
